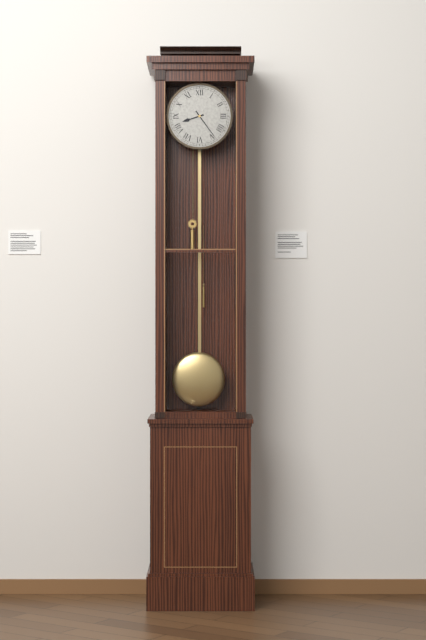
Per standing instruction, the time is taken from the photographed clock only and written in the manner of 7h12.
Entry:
8h24
